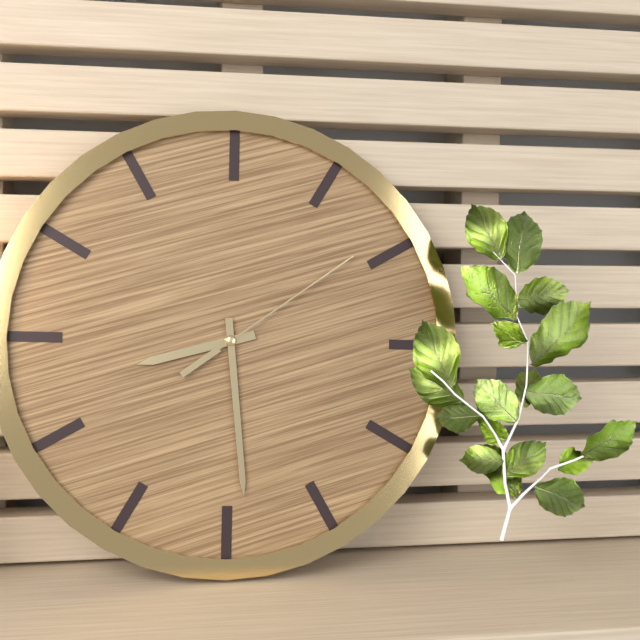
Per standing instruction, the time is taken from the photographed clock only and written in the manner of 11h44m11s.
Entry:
8h29m09s
